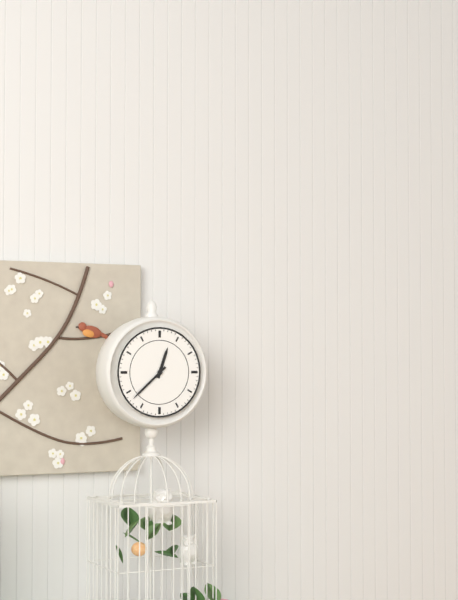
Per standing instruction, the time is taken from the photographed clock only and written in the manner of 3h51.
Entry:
12h38
